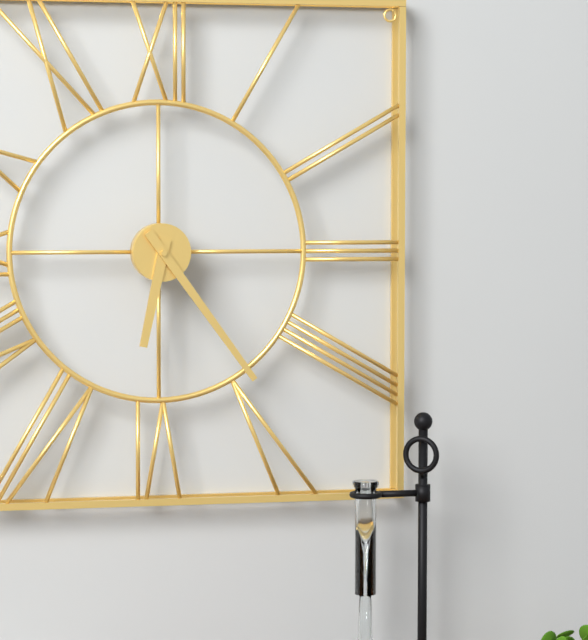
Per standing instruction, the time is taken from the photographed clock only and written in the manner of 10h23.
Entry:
6h24
